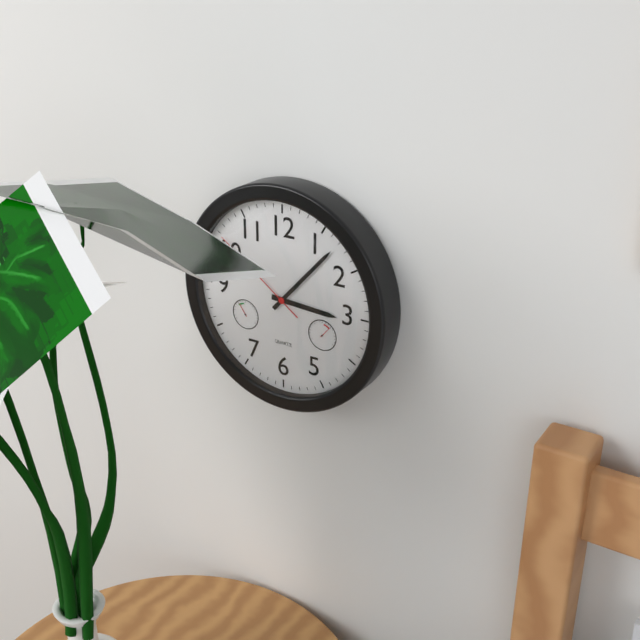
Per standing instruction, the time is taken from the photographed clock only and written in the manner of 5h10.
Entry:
3h07
